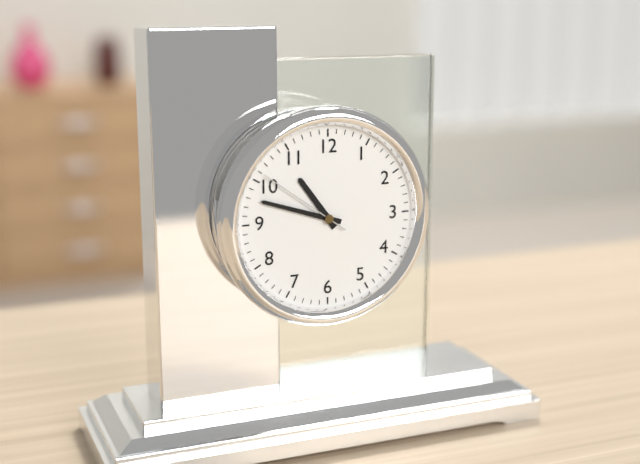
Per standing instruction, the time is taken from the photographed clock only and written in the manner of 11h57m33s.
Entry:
10h48m51s
